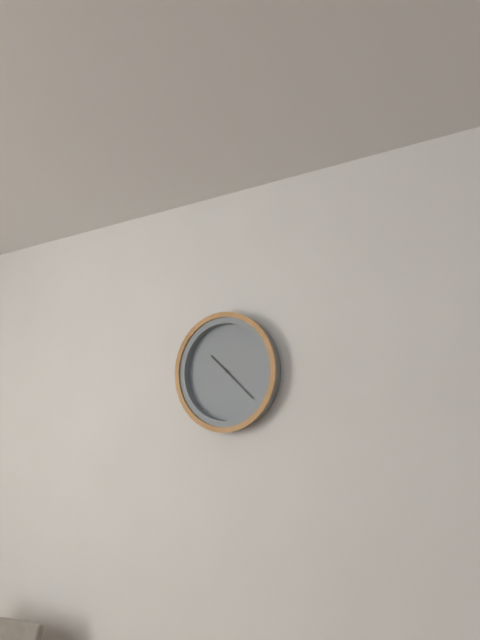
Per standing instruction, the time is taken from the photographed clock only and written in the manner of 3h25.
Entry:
10h22
